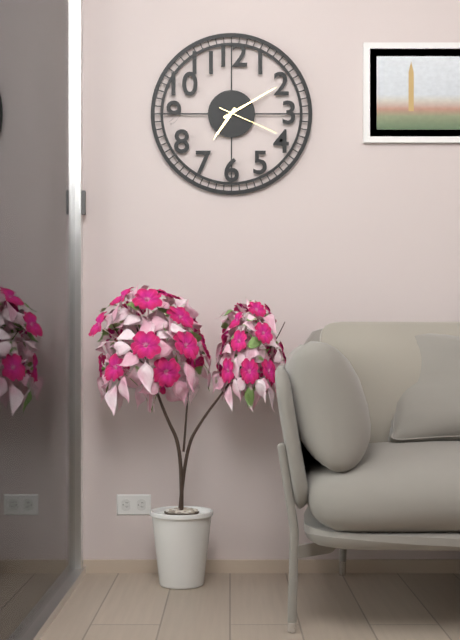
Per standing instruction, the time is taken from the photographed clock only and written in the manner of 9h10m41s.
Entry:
7h10m19s
